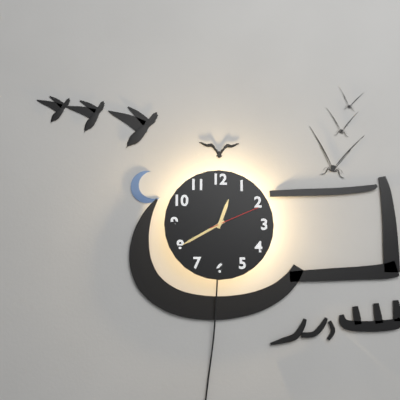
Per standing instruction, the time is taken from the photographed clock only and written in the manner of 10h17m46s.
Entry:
12h40m11s
